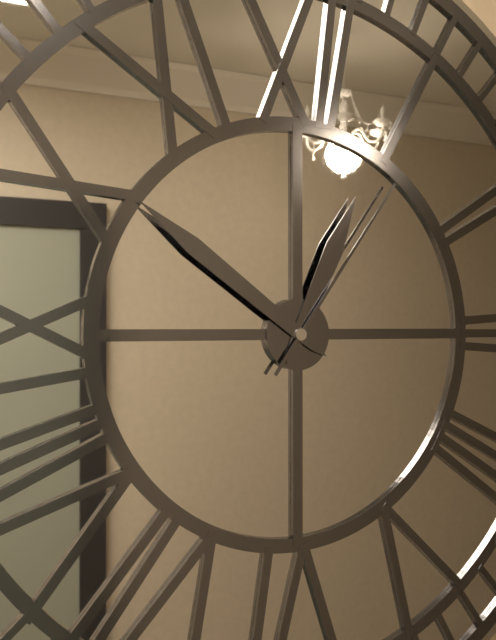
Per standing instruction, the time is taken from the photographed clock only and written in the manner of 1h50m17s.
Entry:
12h51m06s
